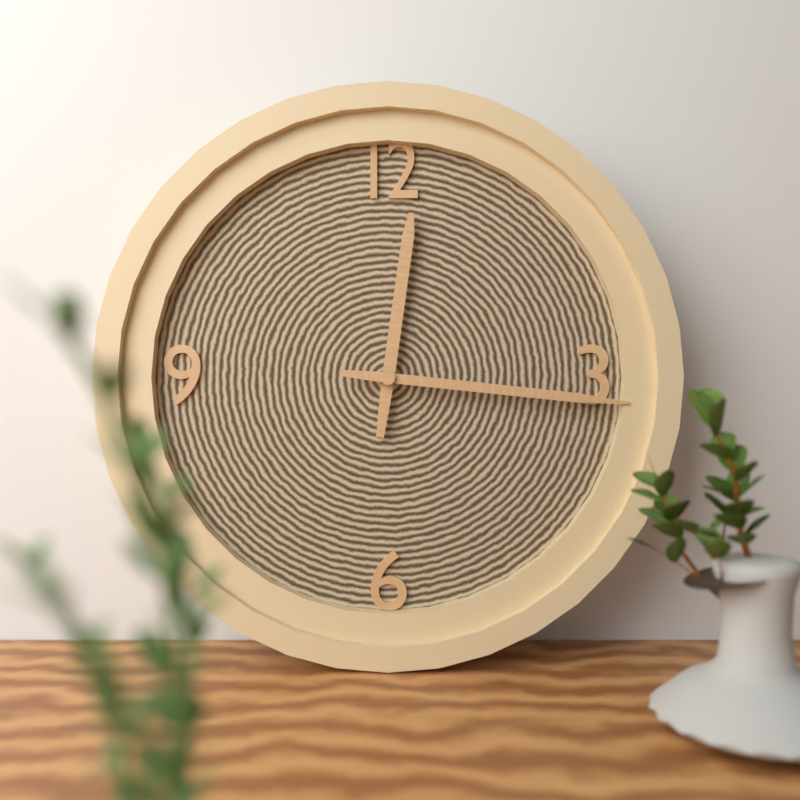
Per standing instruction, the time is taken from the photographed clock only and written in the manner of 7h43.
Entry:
12h16
